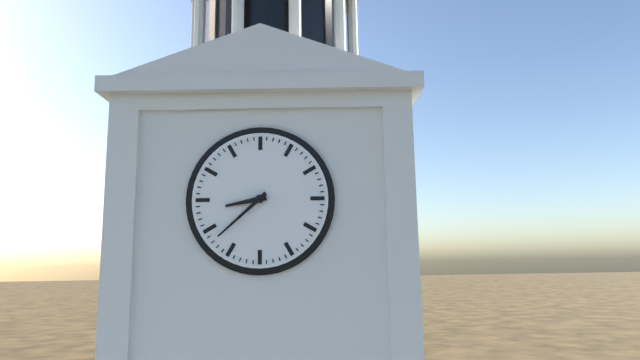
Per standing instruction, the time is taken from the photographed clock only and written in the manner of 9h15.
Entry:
8h38
